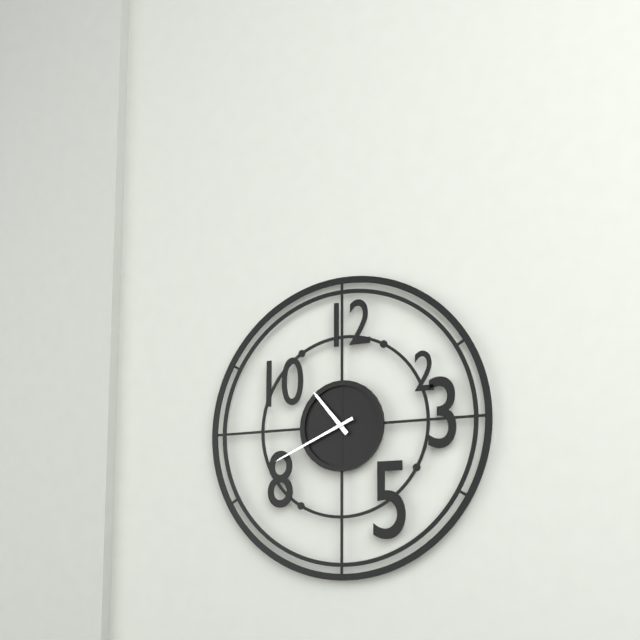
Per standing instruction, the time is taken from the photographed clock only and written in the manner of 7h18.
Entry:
10h41
